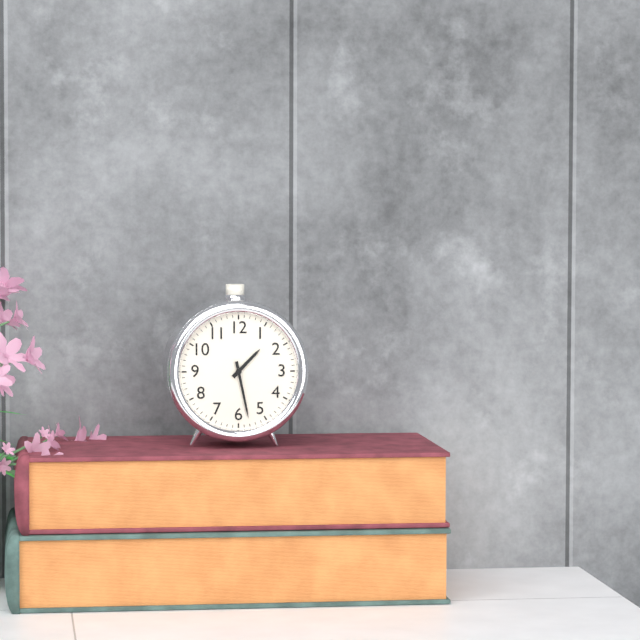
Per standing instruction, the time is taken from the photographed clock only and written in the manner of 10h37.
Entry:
1h28
